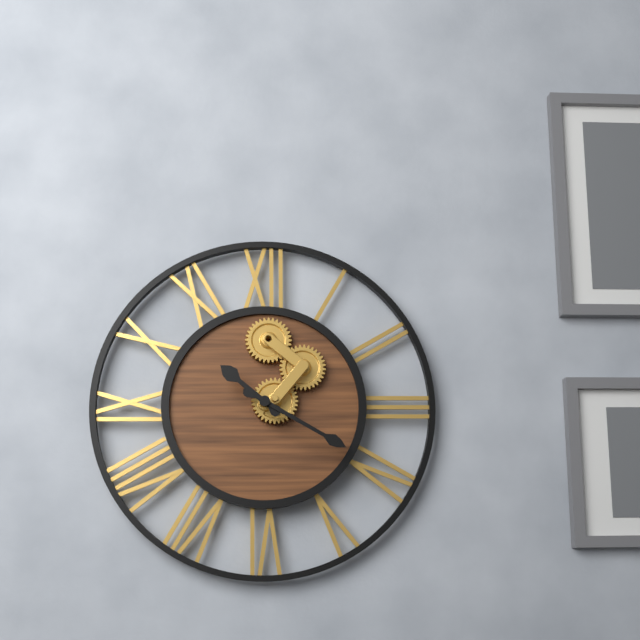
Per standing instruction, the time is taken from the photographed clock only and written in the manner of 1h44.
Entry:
10h20
